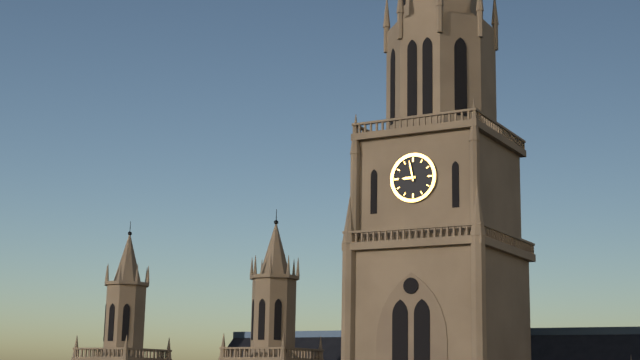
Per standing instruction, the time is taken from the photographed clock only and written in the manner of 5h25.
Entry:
8h58
